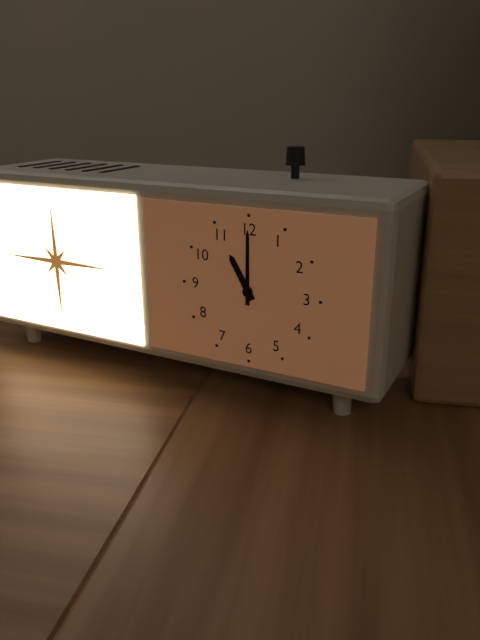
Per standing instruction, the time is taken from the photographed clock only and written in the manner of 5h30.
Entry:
11h00
